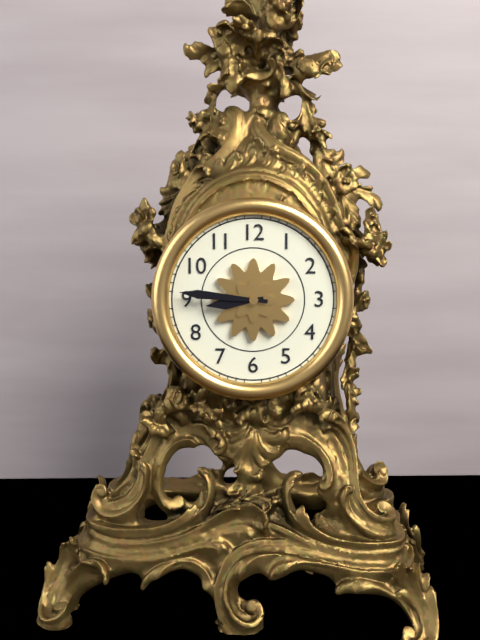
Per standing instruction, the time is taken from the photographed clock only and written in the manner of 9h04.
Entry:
8h46
